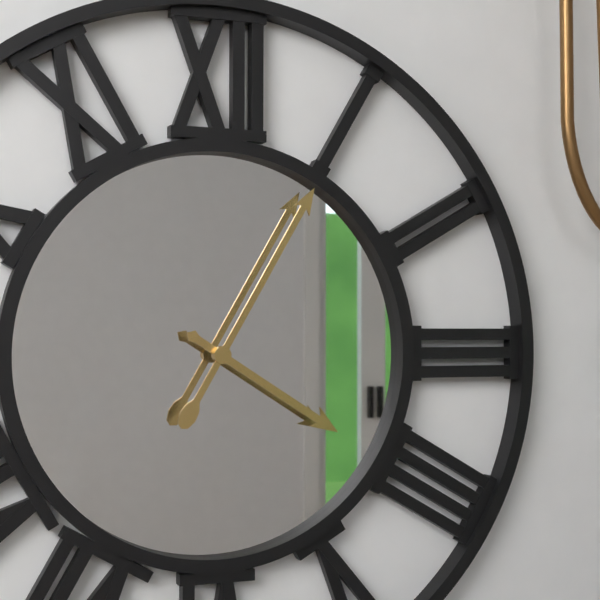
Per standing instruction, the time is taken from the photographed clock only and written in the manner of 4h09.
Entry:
4h05
